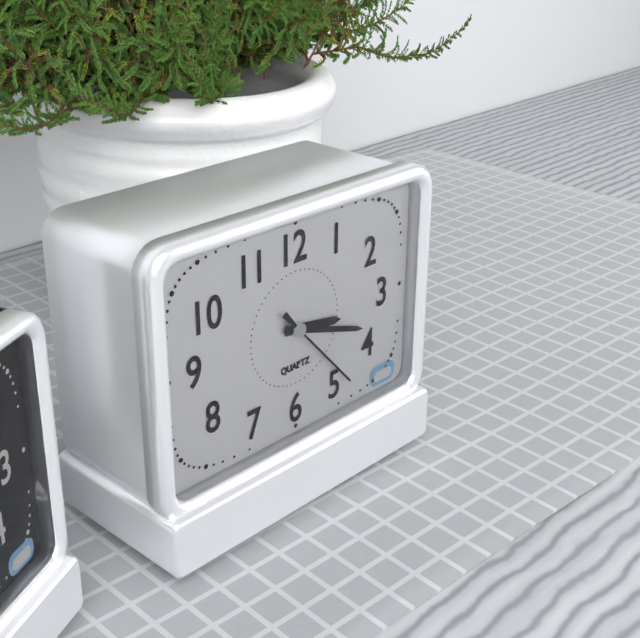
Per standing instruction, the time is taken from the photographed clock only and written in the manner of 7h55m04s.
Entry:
3h18m23s
